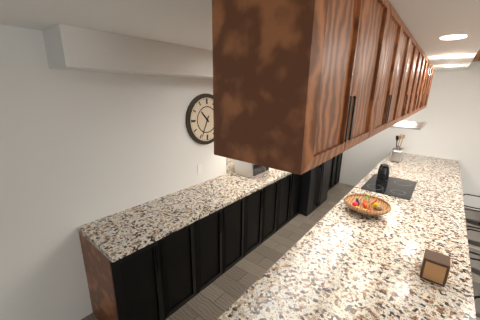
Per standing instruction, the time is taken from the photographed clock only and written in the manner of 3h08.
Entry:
10h34
